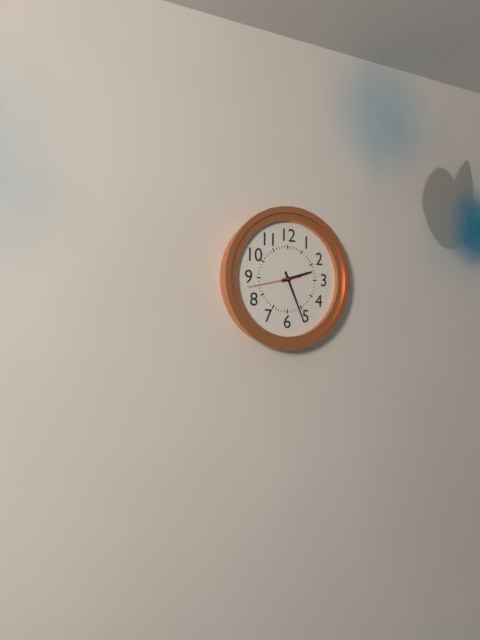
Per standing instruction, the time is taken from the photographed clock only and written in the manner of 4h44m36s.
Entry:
2h26m43s
